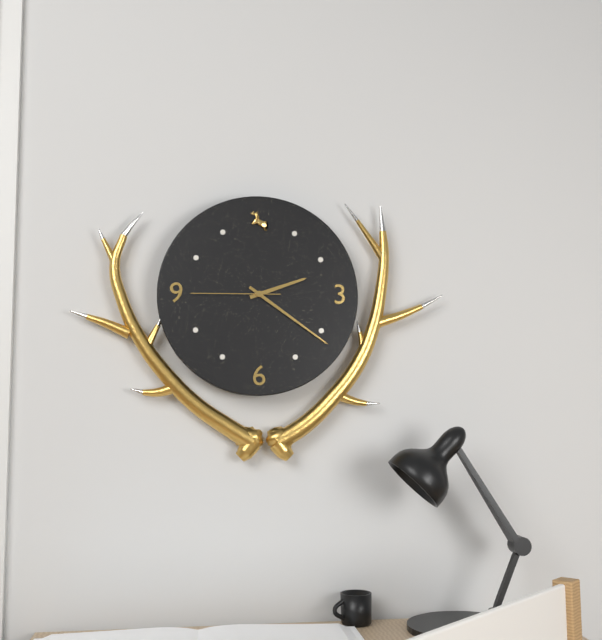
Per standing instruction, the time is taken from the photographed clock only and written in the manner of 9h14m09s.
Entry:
2h21m45s
